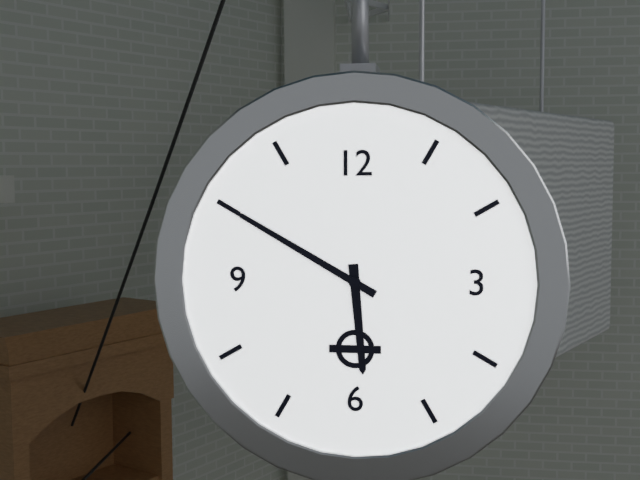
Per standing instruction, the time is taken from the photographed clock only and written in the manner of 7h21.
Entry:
5h50
